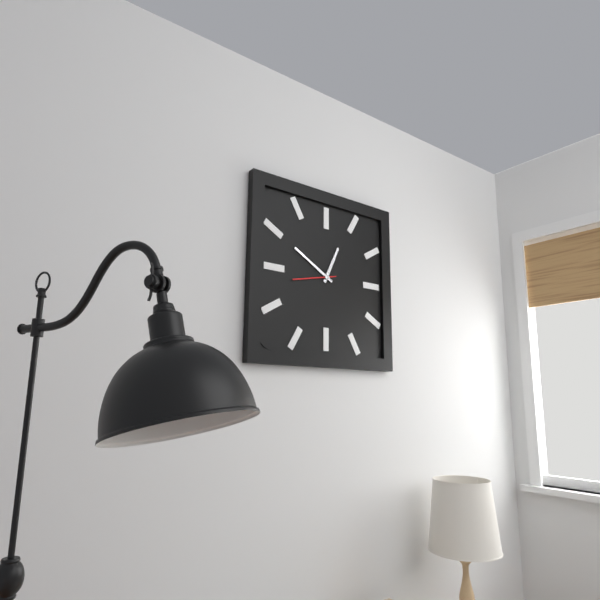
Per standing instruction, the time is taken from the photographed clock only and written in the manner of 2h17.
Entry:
12h50
